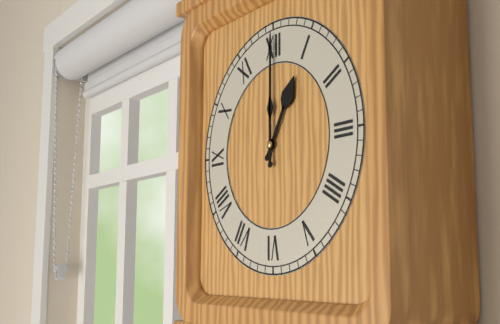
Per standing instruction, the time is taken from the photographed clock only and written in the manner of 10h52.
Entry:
1h00
